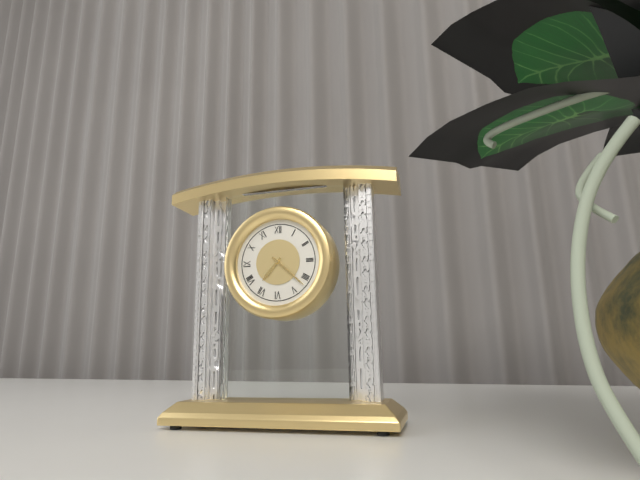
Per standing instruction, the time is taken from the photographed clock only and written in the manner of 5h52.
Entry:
7h22
